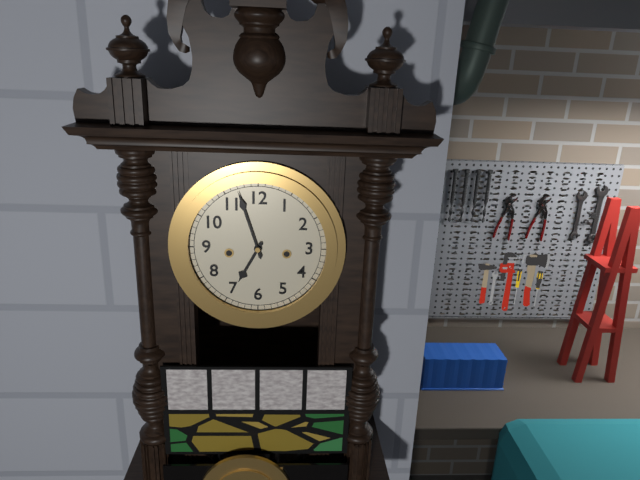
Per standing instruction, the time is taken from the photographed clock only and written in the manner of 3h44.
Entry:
6h57
